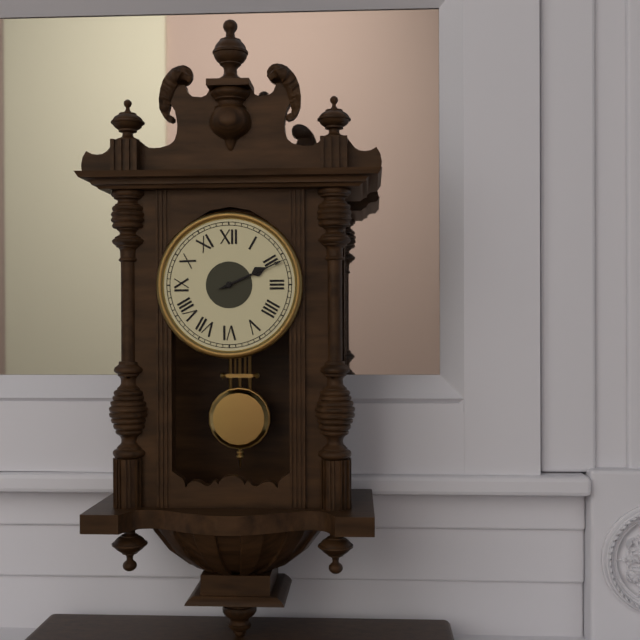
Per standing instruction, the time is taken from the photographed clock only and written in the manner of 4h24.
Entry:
2h11
